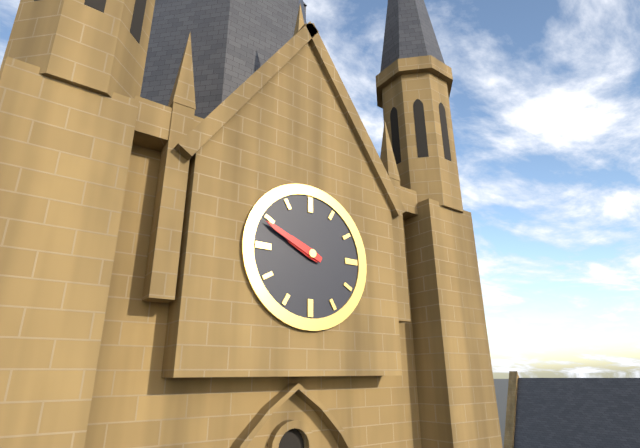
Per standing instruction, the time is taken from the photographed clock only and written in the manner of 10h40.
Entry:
9h49
